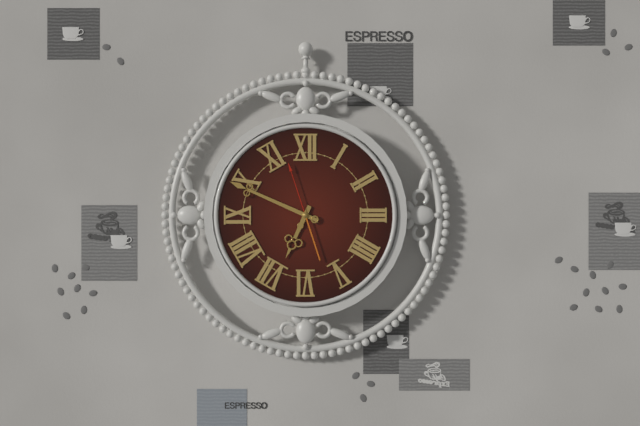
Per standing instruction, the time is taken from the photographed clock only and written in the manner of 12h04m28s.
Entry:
6h49m57s
